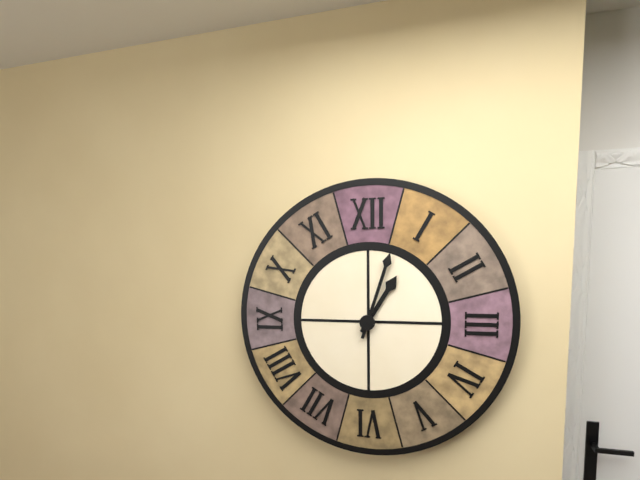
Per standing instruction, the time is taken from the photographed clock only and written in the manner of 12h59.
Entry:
1h03
